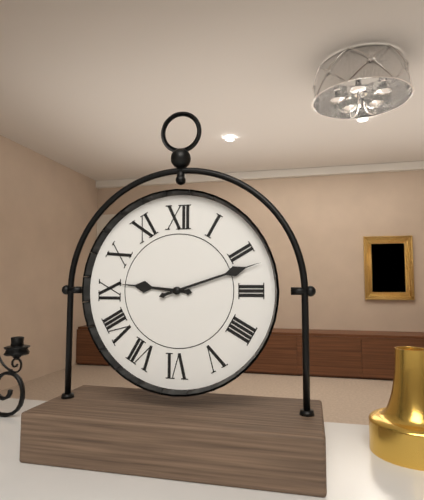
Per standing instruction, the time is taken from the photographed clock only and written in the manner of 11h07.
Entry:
9h12
